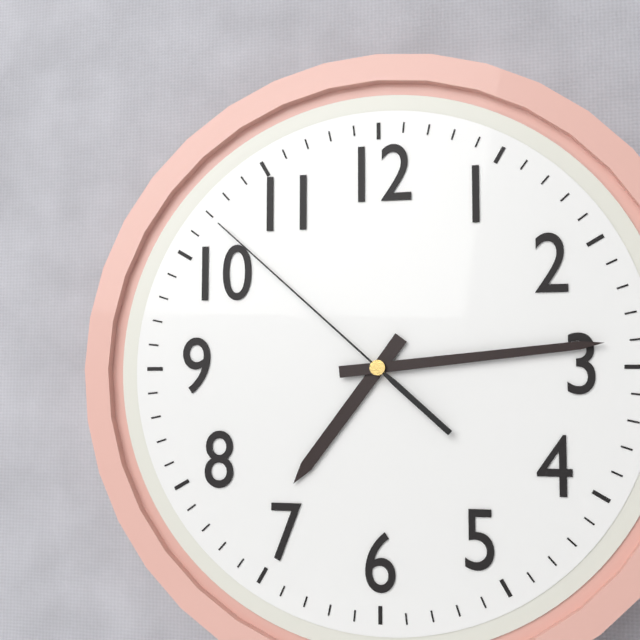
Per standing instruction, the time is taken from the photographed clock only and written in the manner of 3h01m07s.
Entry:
7h14m52s
